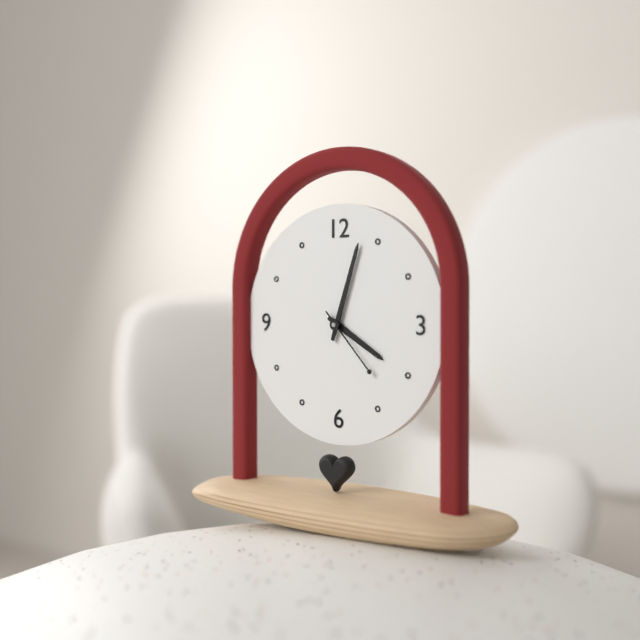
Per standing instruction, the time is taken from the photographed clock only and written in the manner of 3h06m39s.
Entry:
4h03m23s
